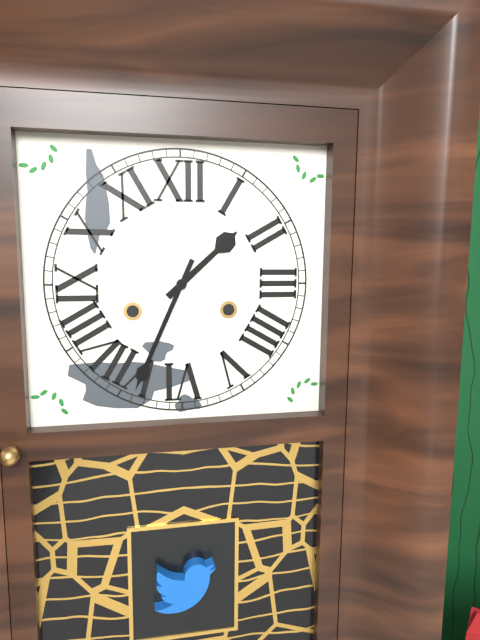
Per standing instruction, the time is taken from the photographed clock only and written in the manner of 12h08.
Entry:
1h34
